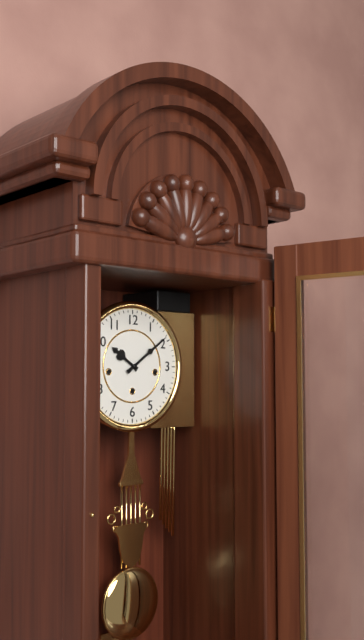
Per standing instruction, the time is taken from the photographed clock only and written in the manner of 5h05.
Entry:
10h09
